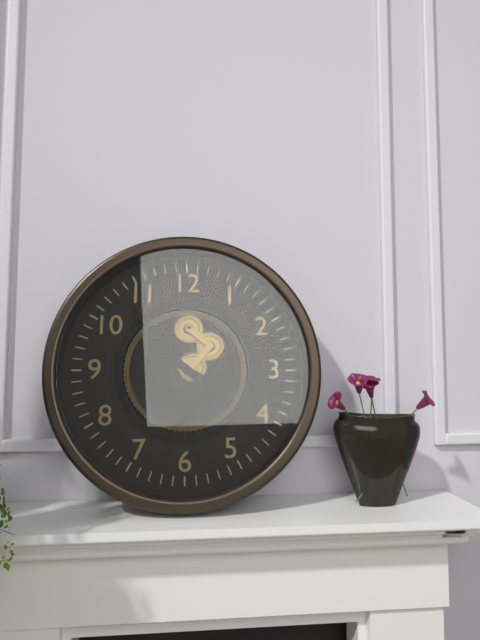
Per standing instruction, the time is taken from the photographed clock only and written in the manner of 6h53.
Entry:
3h53
